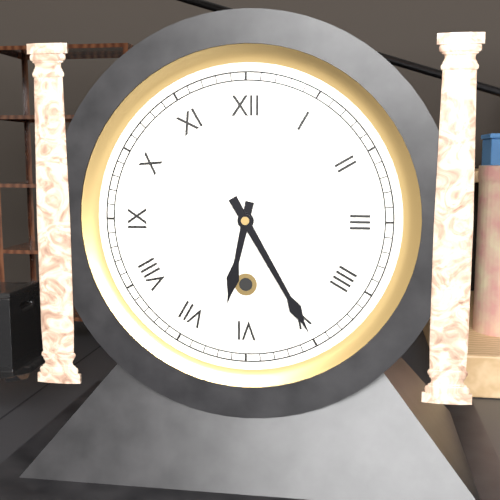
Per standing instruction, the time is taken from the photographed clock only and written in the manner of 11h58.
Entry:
6h25
